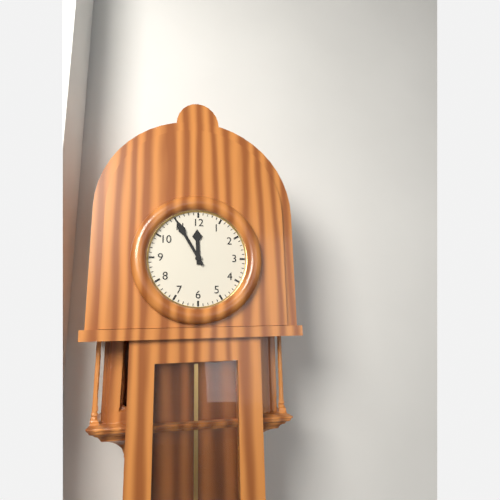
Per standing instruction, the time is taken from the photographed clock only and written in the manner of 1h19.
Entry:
11h55
